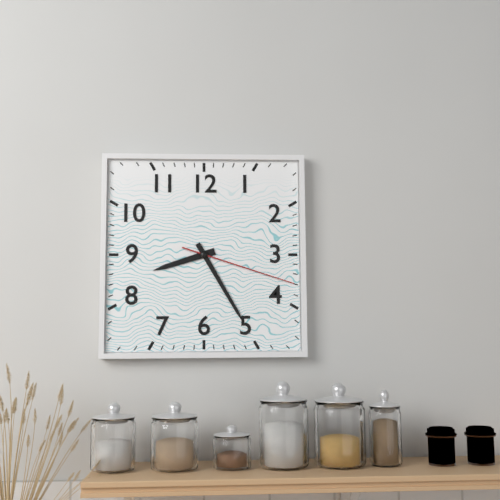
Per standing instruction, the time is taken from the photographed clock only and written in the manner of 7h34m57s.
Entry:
8h25m18s
